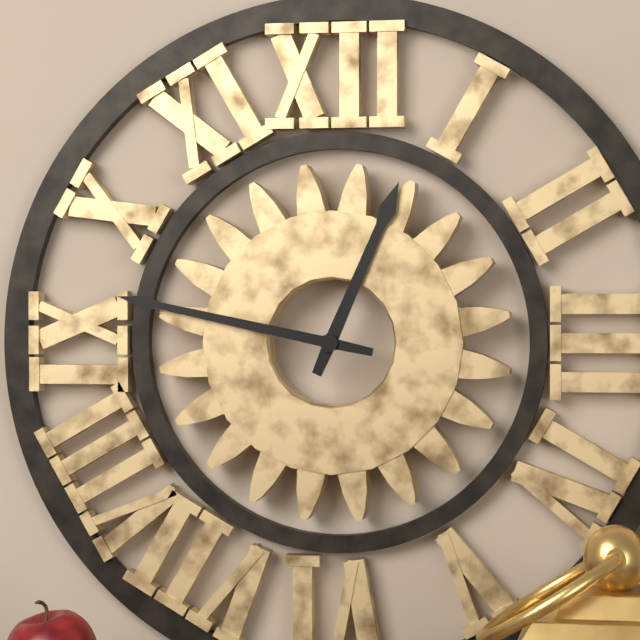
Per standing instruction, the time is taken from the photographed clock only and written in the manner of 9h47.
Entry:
12h47
